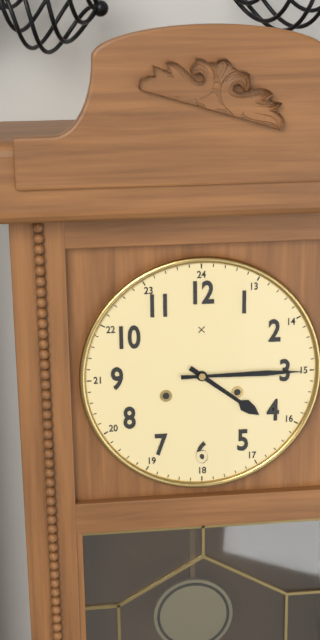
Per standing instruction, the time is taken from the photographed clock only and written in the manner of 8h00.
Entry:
4h15
